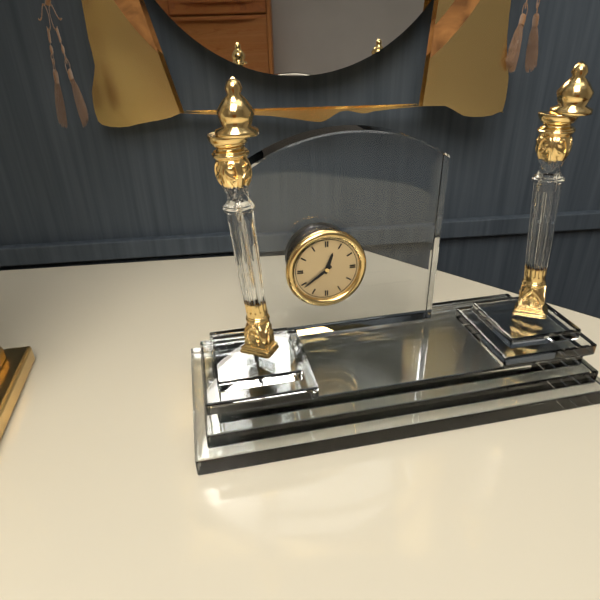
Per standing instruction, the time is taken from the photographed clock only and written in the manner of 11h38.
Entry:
12h39
